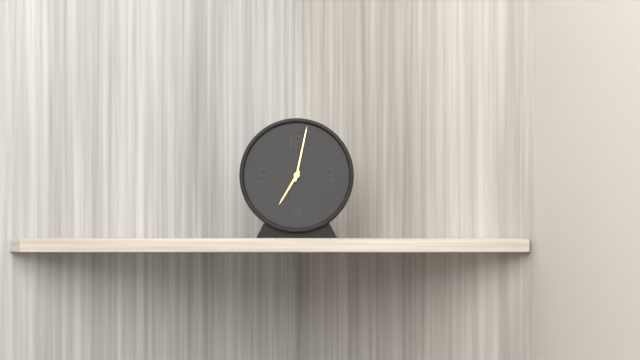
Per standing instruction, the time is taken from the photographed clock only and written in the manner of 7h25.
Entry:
7h02
